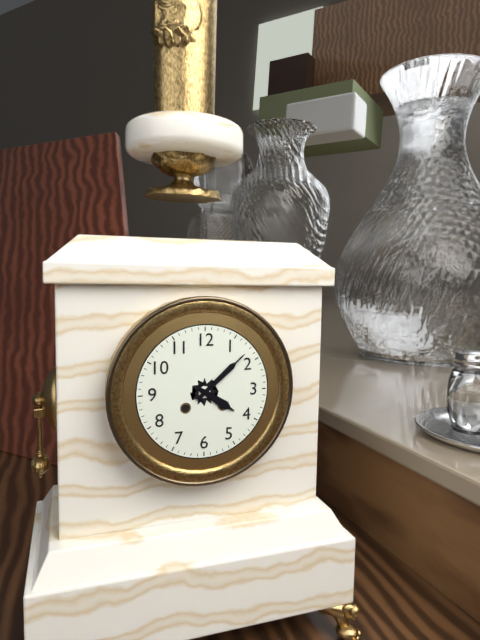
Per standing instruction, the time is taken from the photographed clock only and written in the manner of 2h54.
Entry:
4h08
